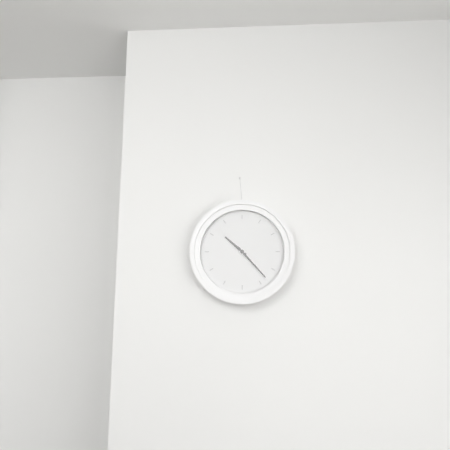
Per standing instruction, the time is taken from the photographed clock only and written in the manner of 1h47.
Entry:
10h23
